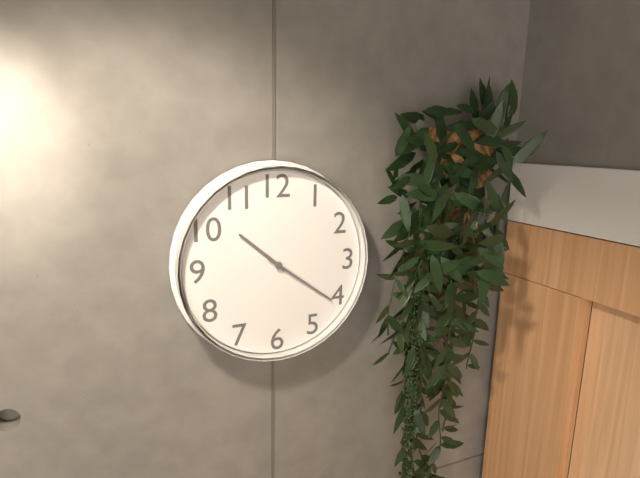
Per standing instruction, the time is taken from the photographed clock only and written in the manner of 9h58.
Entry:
10h21
